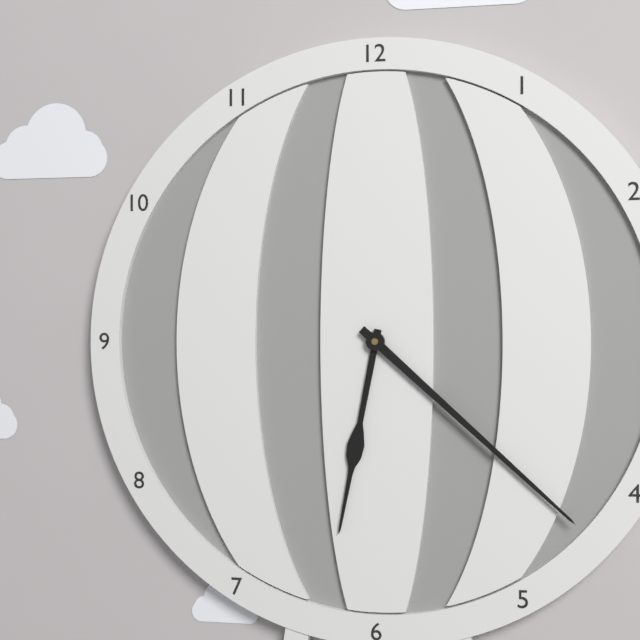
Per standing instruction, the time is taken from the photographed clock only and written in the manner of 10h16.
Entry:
6h22
